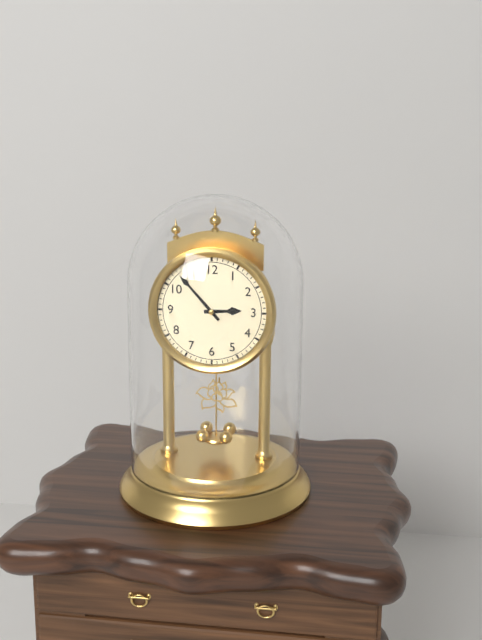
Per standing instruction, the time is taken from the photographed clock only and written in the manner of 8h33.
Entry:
2h53
